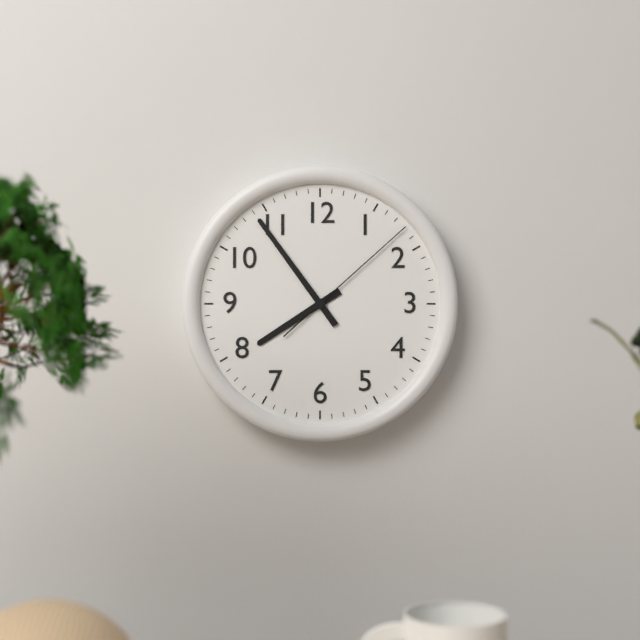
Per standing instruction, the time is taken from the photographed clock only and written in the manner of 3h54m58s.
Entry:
7h54m08s
